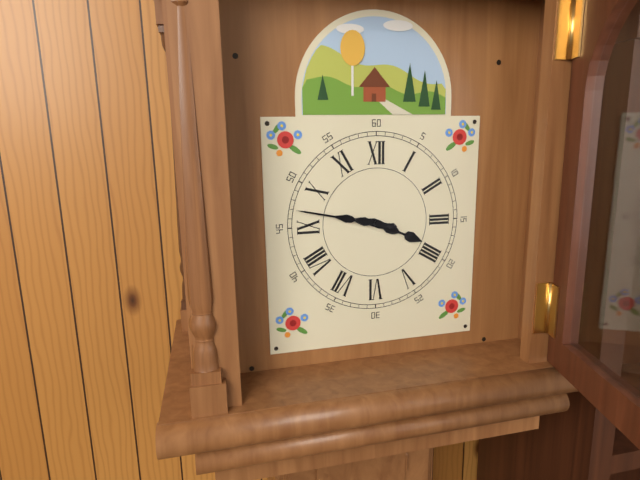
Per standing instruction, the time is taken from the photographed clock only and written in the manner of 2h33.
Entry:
3h47
